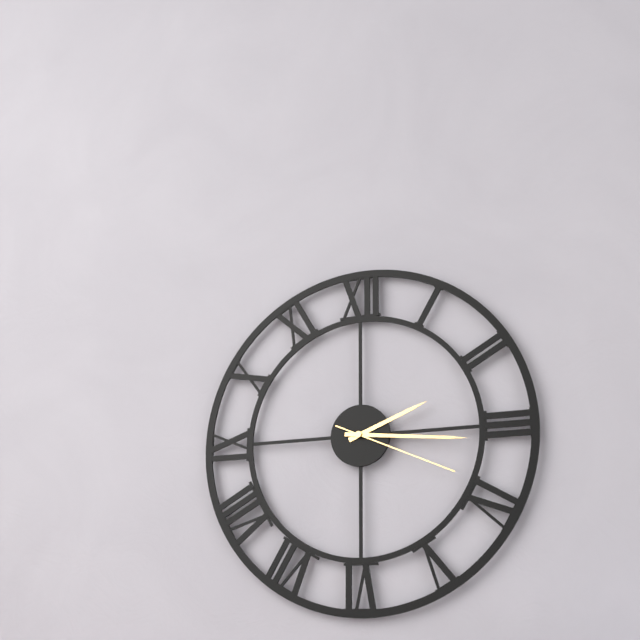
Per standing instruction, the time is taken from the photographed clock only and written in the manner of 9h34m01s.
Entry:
2h16m19s
